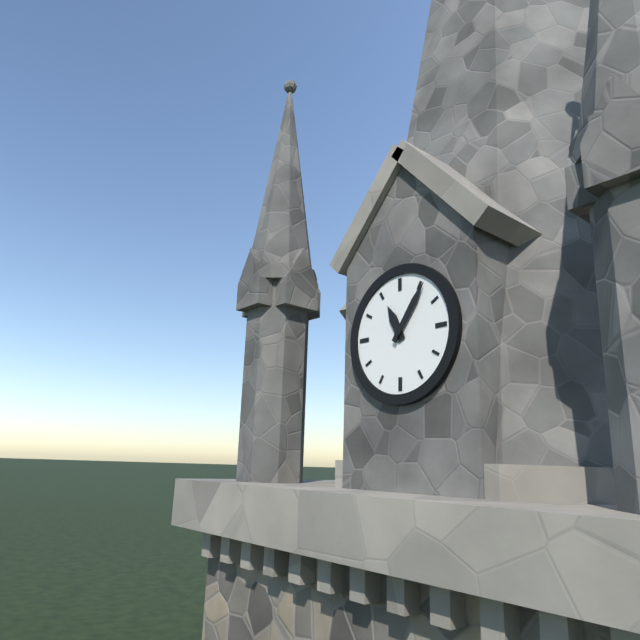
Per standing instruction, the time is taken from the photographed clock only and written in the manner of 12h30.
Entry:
11h06
